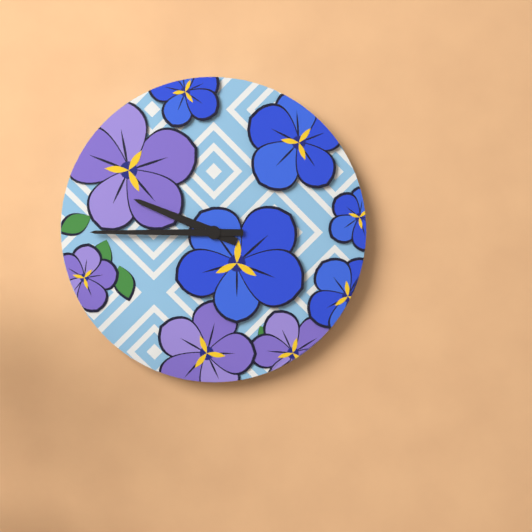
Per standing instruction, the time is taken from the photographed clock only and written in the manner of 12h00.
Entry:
9h45
